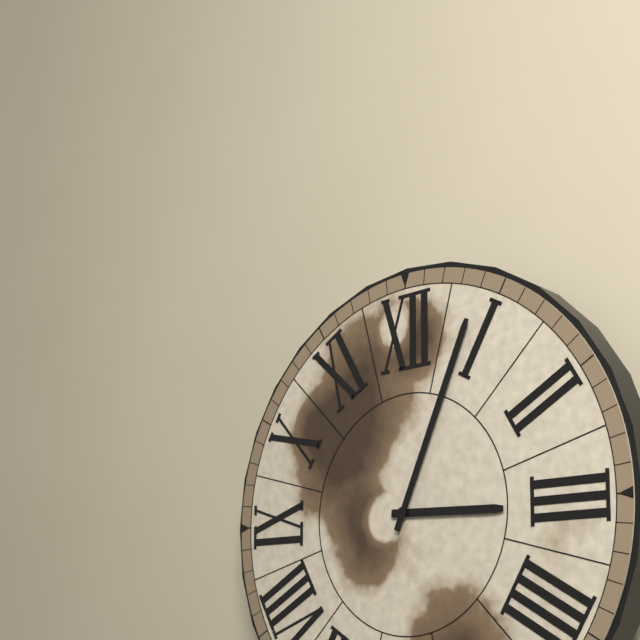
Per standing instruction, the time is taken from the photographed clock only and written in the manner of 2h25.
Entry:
3h04
